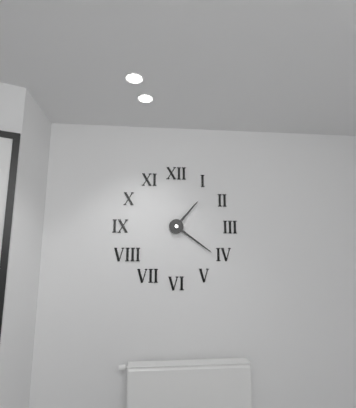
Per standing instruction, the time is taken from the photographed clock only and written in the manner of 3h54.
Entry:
1h21
